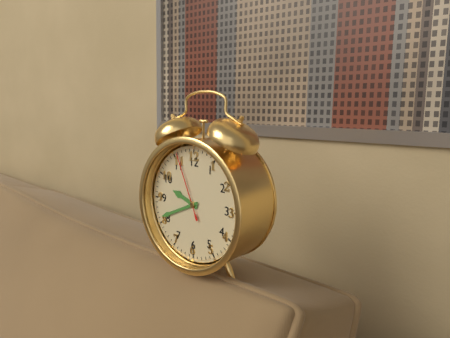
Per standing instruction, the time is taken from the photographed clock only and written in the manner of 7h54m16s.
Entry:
9h41m56s
